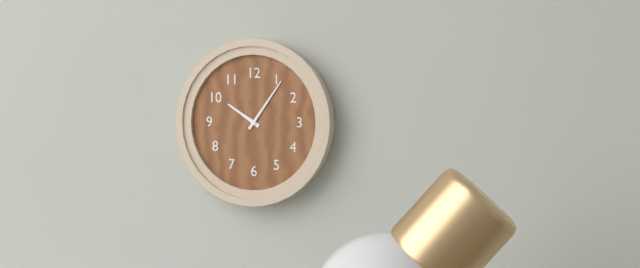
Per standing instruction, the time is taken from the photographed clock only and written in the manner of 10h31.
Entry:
10h06
